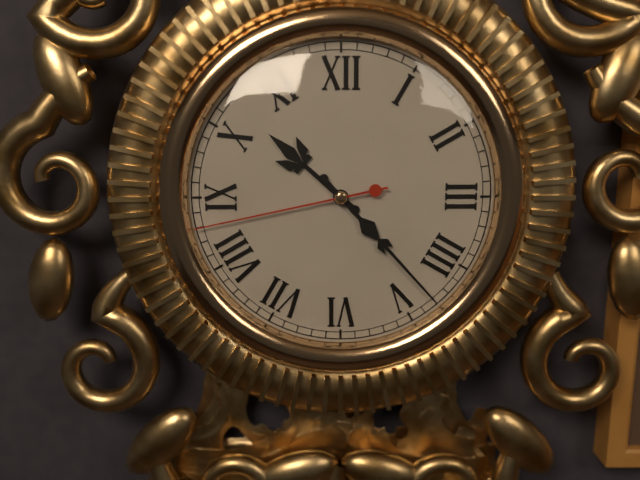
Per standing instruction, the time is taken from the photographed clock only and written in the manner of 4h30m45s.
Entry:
10h23m43s
